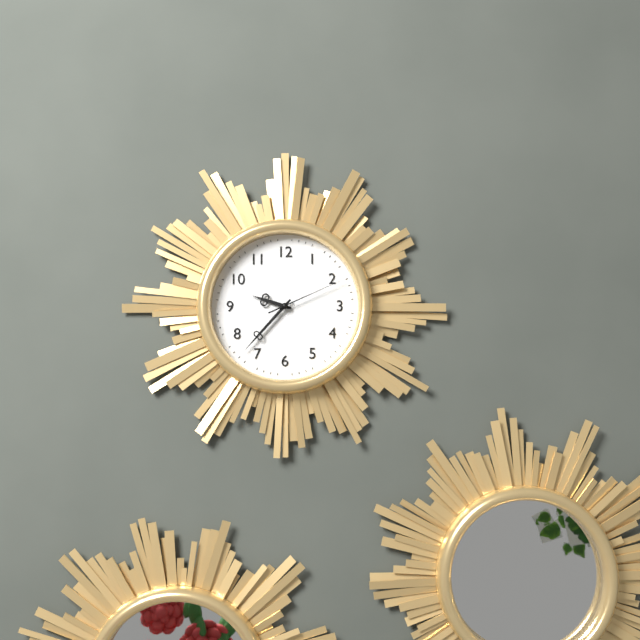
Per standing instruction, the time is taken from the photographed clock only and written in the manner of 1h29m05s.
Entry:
9h37m11s
